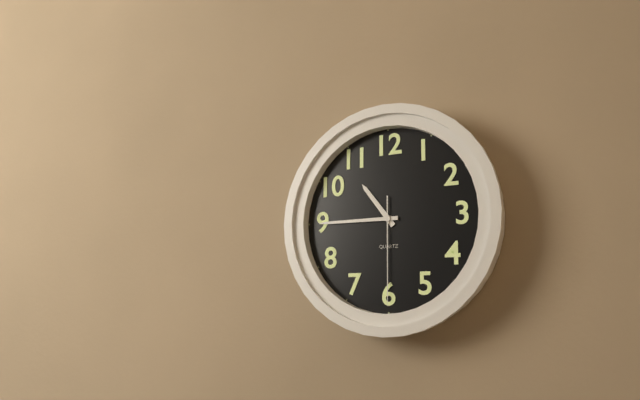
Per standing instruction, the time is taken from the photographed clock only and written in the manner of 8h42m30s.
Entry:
10h45m30s
